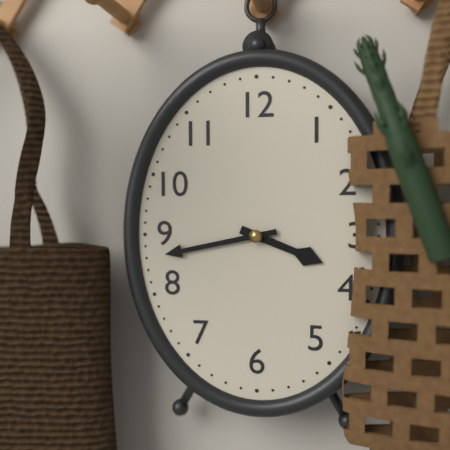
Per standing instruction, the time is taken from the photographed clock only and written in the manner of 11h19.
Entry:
3h43
